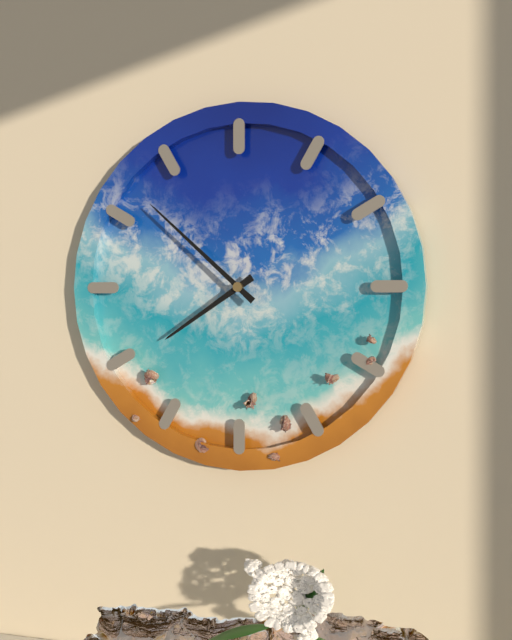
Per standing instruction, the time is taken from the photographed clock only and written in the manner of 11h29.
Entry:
7h52
